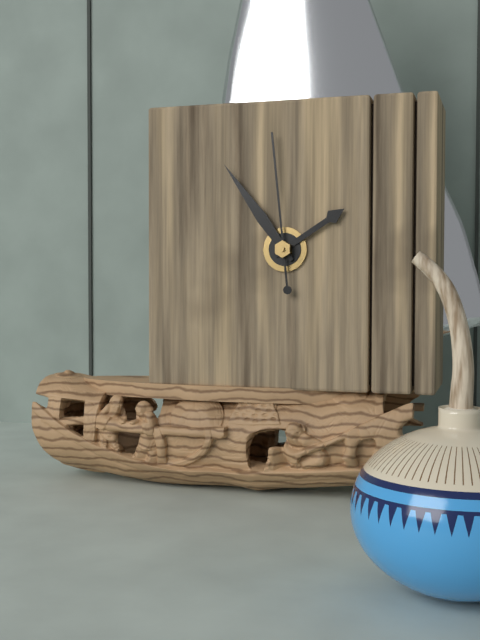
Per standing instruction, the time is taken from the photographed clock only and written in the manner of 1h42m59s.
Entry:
1h54m59s
